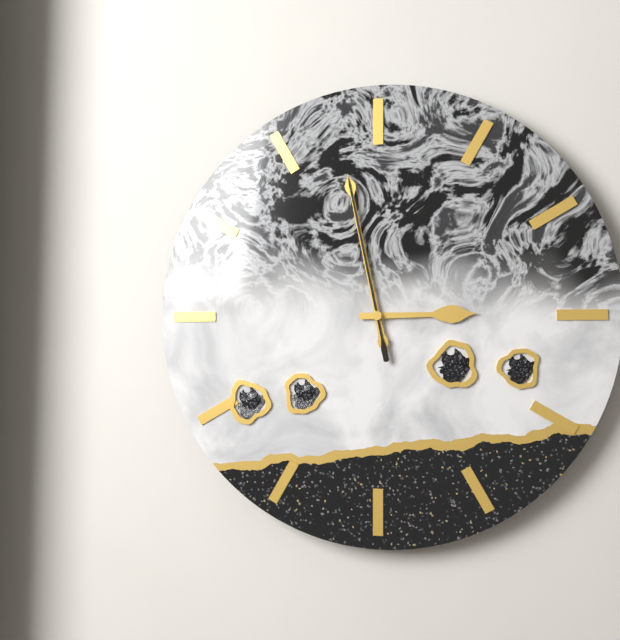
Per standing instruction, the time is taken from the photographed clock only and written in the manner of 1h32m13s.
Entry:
2h58m58s
